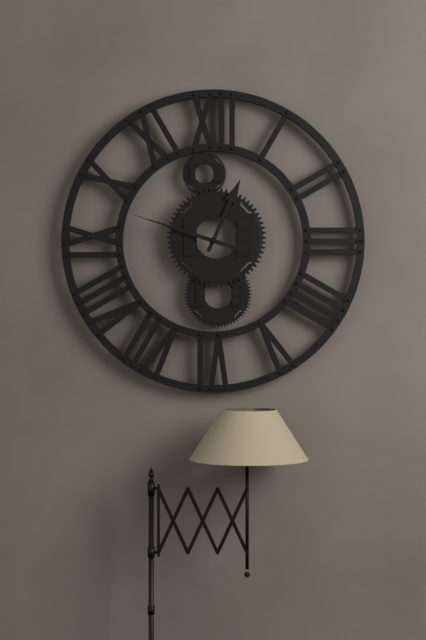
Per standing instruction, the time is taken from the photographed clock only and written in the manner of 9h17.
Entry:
12h48
